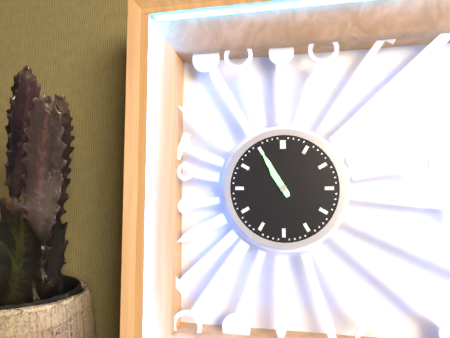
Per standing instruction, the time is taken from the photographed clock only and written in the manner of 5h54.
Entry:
10h55
